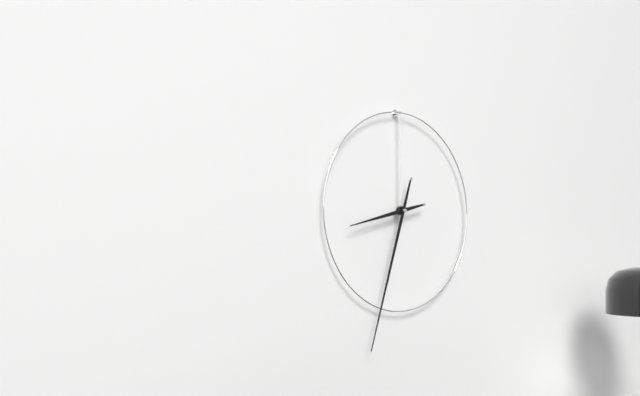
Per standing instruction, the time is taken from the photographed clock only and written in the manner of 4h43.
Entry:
8h33
